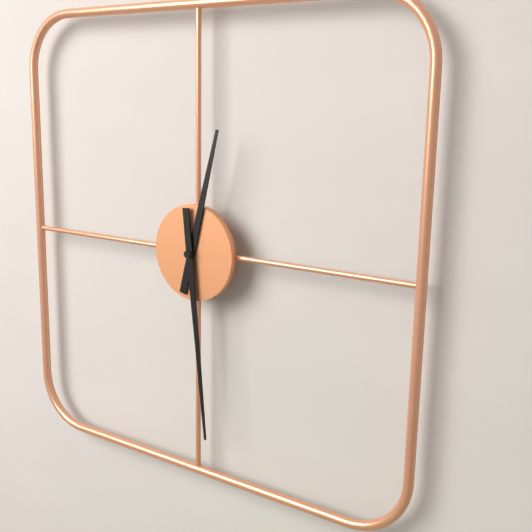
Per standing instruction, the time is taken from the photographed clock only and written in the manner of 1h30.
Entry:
12h29
